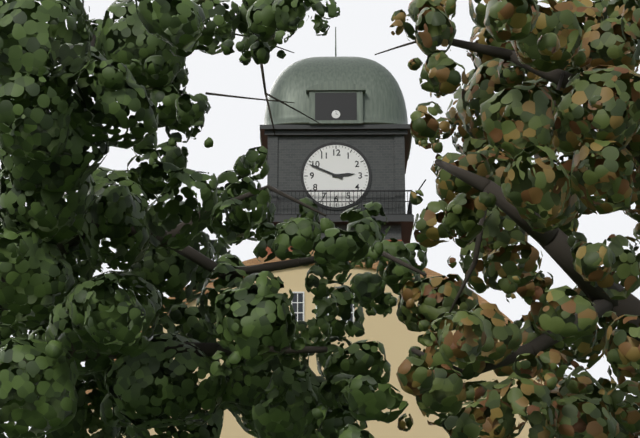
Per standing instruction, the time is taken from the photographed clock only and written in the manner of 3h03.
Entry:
2h49
